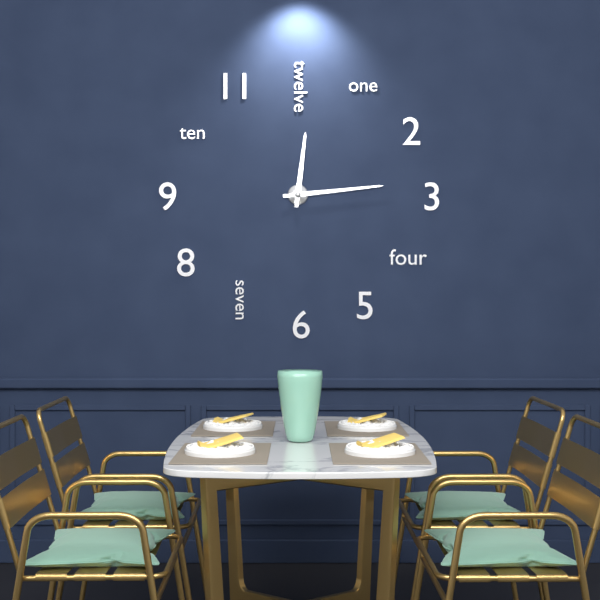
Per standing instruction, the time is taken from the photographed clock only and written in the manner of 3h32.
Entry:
12h14
